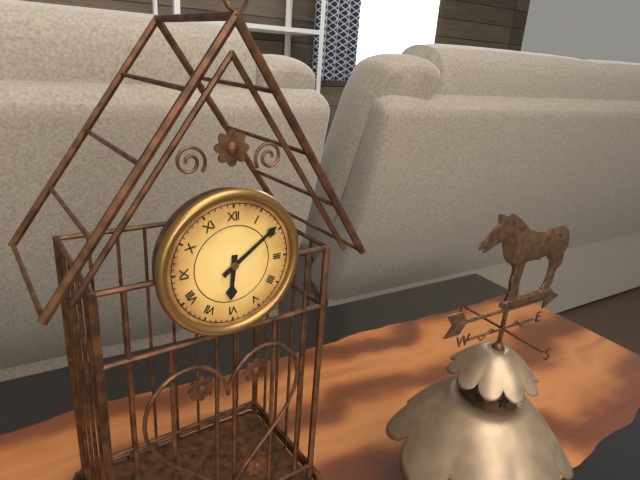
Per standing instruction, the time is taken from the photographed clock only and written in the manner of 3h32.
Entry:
6h09
